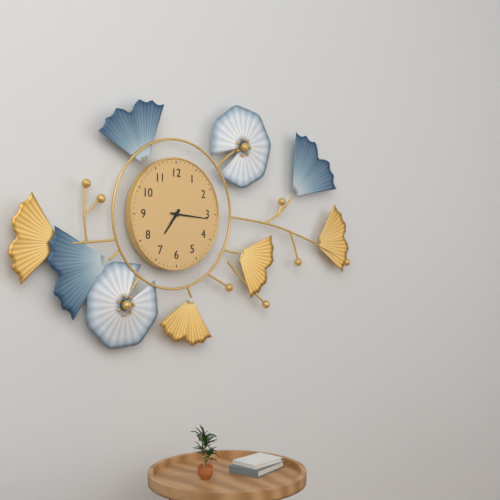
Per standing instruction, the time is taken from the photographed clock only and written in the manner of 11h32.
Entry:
7h16
